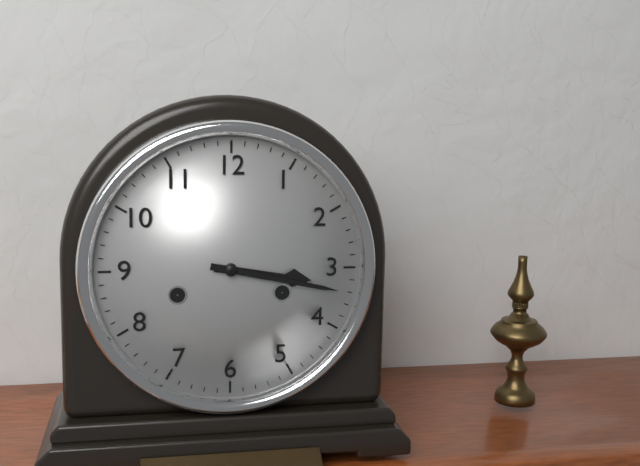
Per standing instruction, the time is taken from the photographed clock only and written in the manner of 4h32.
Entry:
3h17
